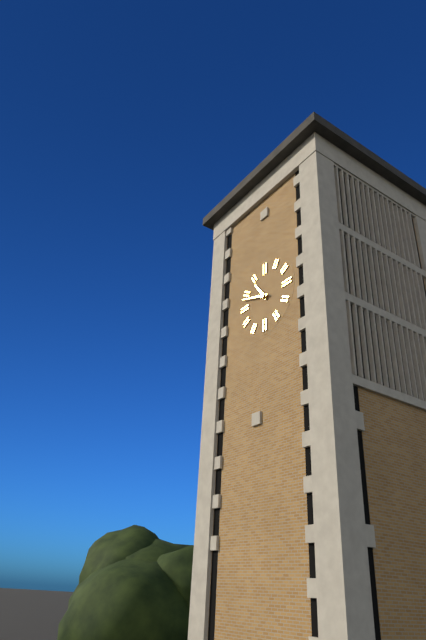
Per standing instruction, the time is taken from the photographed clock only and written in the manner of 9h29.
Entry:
10h48
